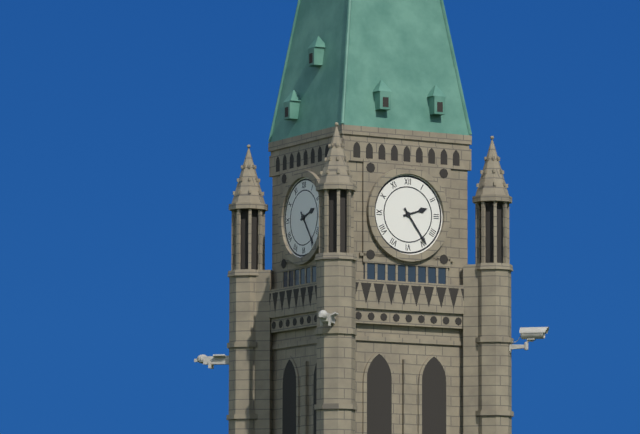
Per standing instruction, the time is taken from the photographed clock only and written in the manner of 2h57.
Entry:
2h24
